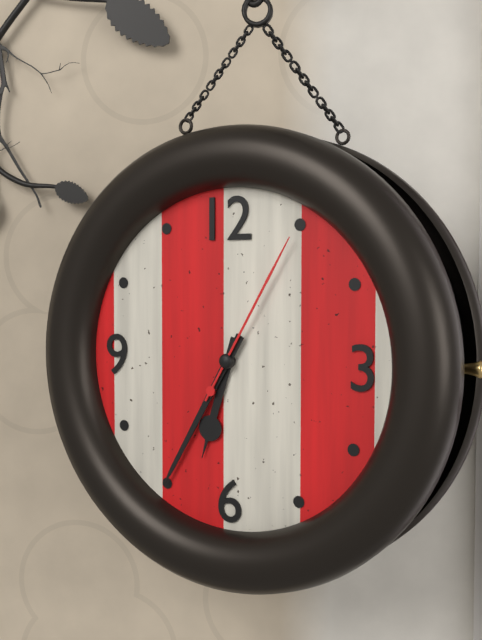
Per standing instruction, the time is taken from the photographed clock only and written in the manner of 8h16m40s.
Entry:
6h35m05s
